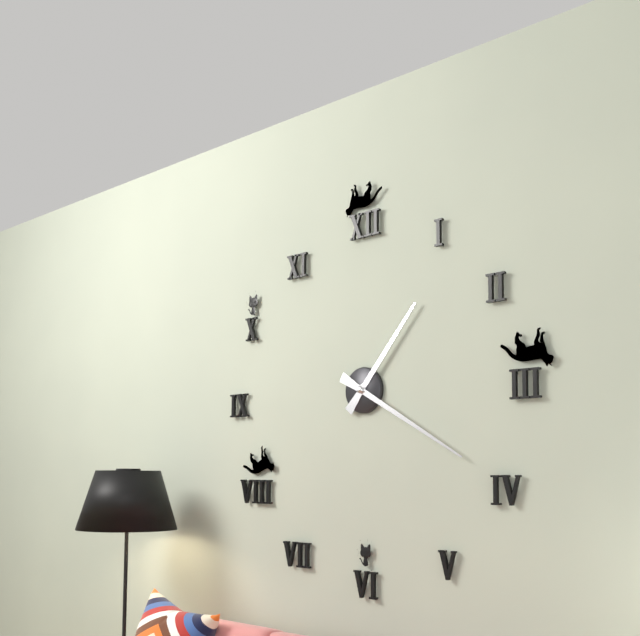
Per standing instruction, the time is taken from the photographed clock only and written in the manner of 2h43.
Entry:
1h20
